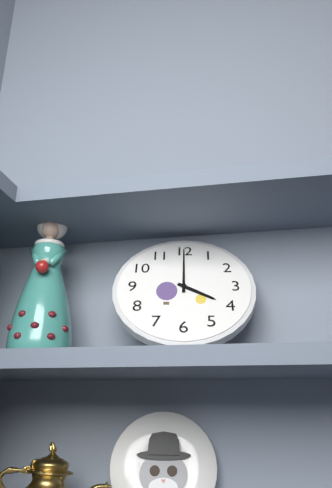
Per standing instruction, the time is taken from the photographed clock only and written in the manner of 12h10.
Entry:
4h00
